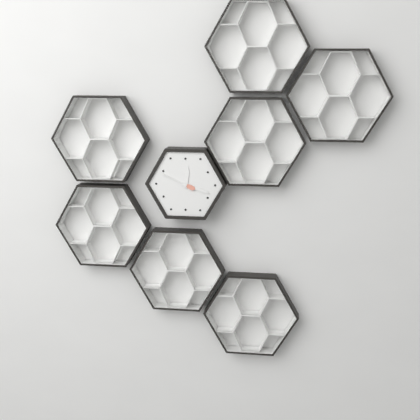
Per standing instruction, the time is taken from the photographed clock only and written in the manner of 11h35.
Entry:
12h18
